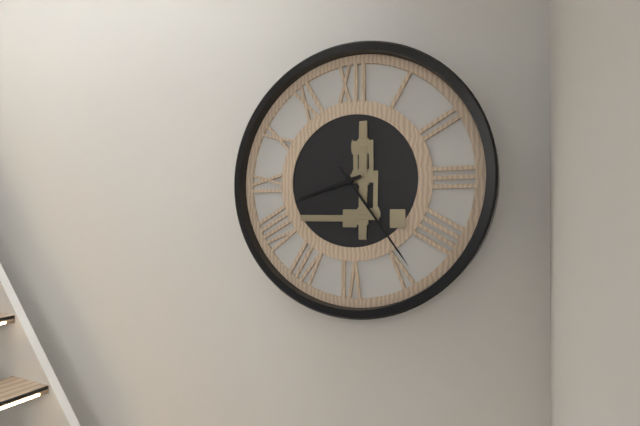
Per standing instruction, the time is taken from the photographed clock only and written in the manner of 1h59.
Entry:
8h24
